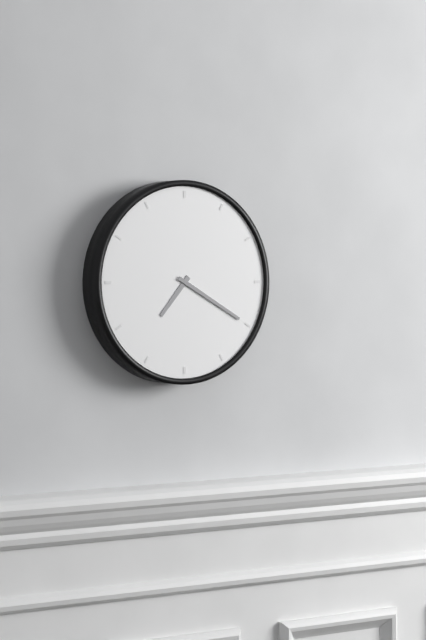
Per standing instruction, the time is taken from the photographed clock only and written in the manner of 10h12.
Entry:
7h20
